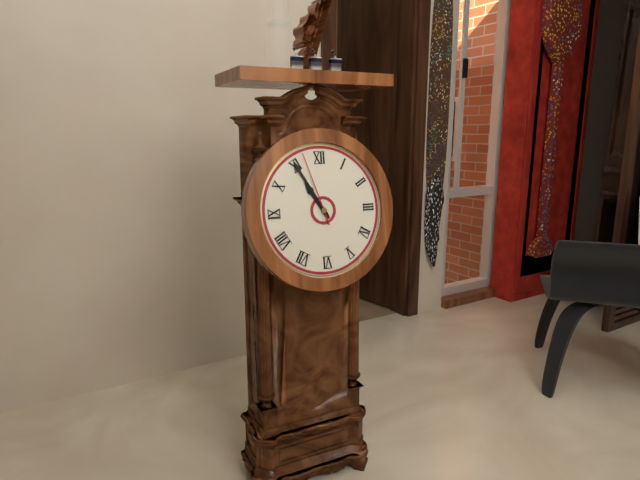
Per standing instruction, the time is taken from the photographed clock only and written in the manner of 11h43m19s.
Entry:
10h55m57s
